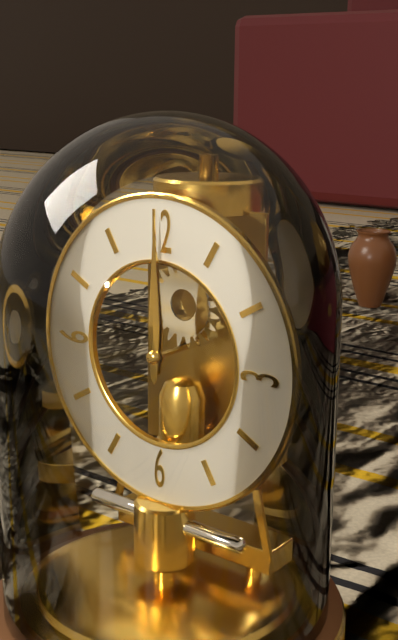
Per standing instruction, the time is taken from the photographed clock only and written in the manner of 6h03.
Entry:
12h00
